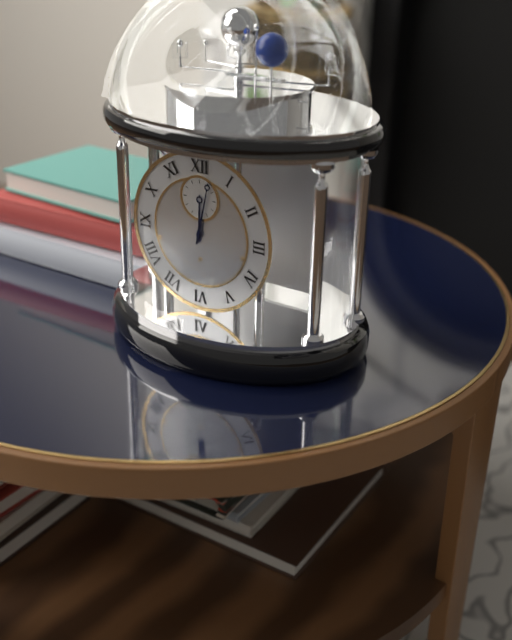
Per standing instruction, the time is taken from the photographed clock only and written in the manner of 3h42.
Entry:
12h02
